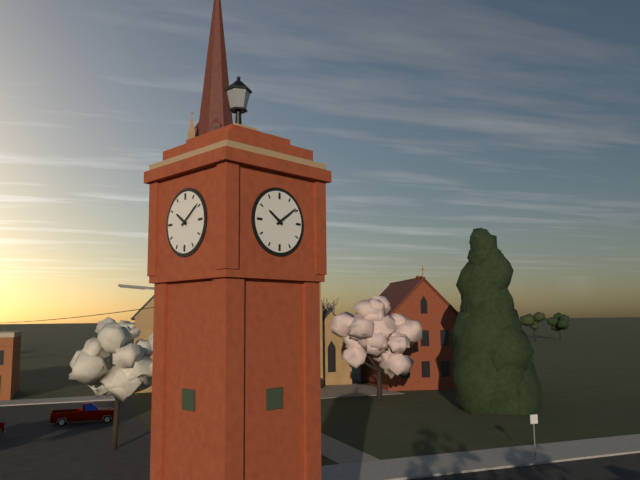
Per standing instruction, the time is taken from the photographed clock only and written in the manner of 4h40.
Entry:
10h09
